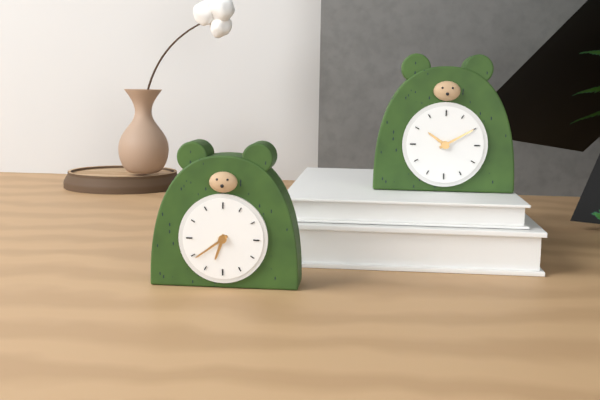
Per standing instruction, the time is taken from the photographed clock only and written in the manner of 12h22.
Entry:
6h39
